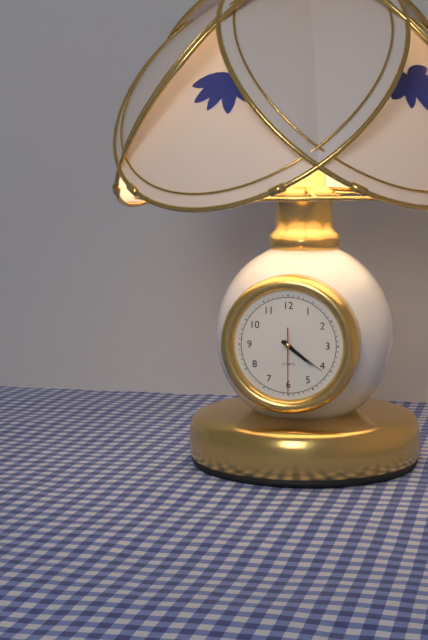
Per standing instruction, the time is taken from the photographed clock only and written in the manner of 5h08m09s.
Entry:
4h21m30s
